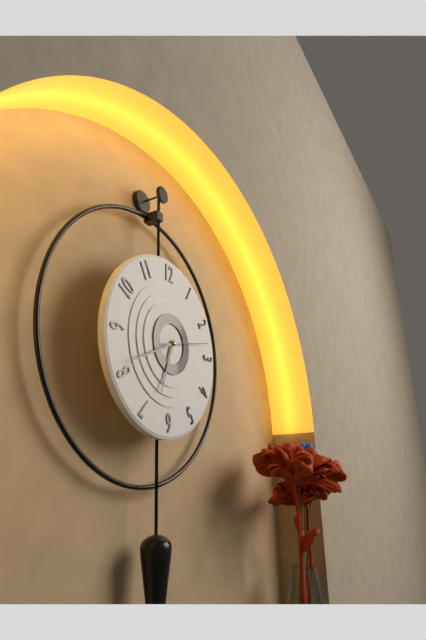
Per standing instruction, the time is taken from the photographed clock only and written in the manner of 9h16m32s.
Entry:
6h41m13s
